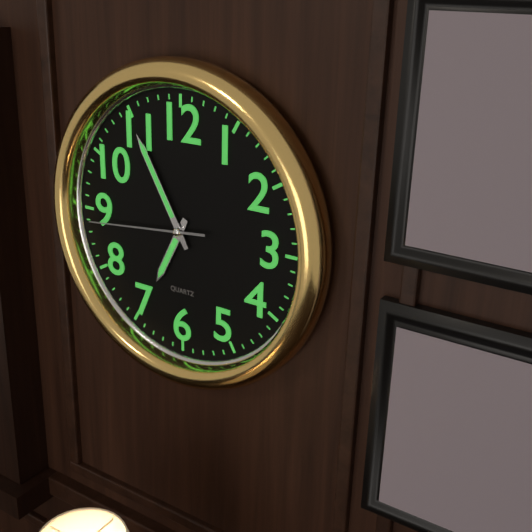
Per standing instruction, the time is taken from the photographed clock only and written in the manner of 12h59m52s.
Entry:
6h55m44s
